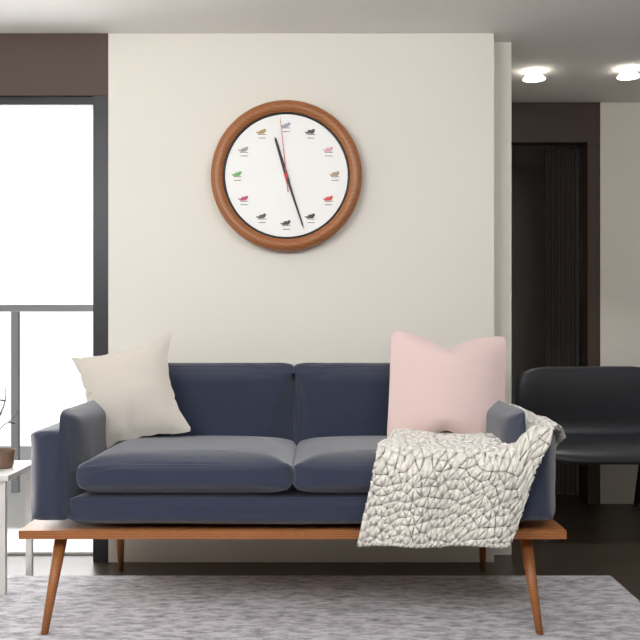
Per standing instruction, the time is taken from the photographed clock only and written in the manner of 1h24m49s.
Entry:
11h27m59s
